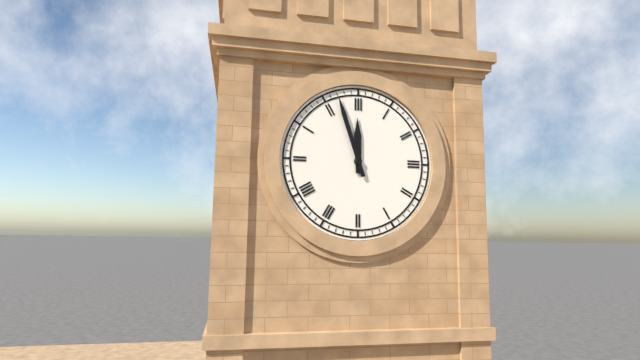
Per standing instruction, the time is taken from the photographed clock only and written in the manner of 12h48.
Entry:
11h57
